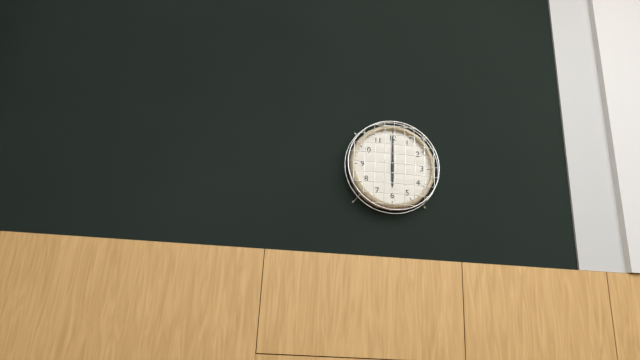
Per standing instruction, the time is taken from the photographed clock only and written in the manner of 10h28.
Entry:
6h00
